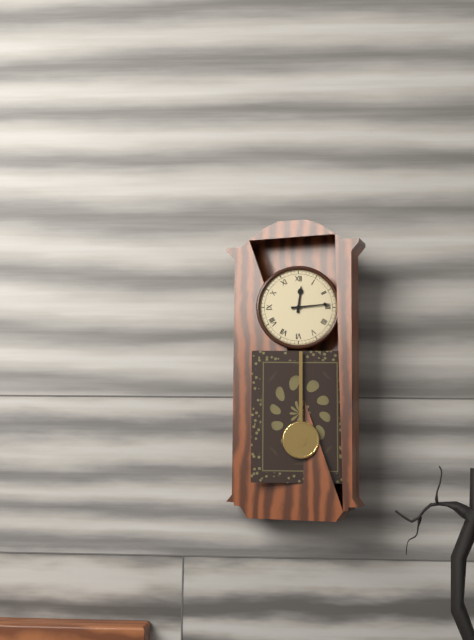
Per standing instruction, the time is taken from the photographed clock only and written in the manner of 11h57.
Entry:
12h14
